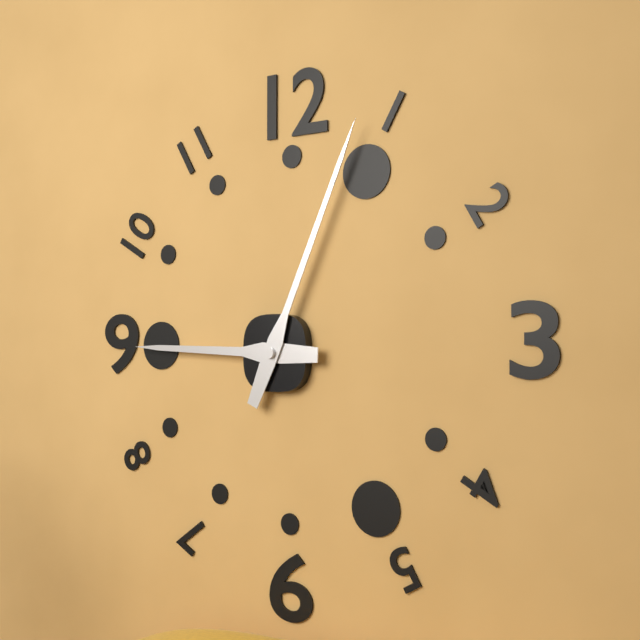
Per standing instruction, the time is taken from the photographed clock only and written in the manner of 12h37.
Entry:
9h04
